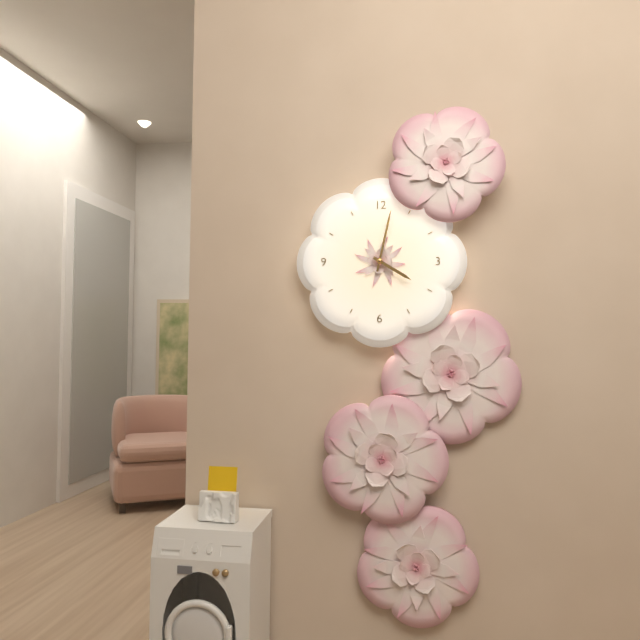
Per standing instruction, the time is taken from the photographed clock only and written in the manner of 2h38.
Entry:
4h02
